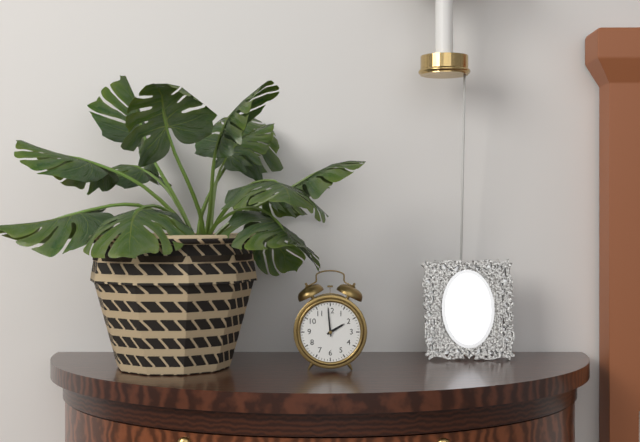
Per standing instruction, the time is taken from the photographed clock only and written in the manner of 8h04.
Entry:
1h59
